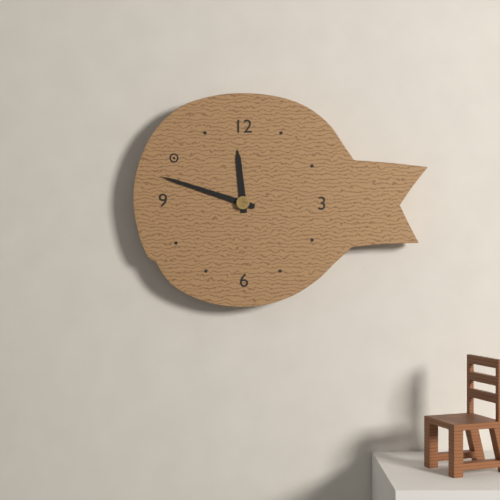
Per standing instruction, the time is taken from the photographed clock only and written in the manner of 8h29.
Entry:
11h48
